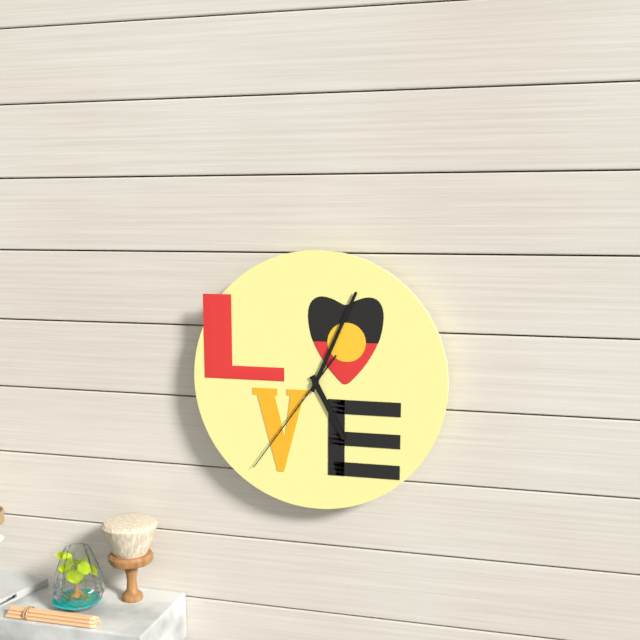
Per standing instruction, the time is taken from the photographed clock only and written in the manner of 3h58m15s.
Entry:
5h04m36s
